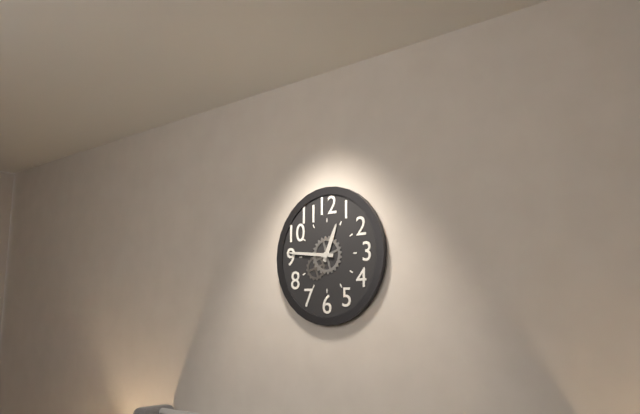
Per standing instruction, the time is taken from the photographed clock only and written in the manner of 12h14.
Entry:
12h46
